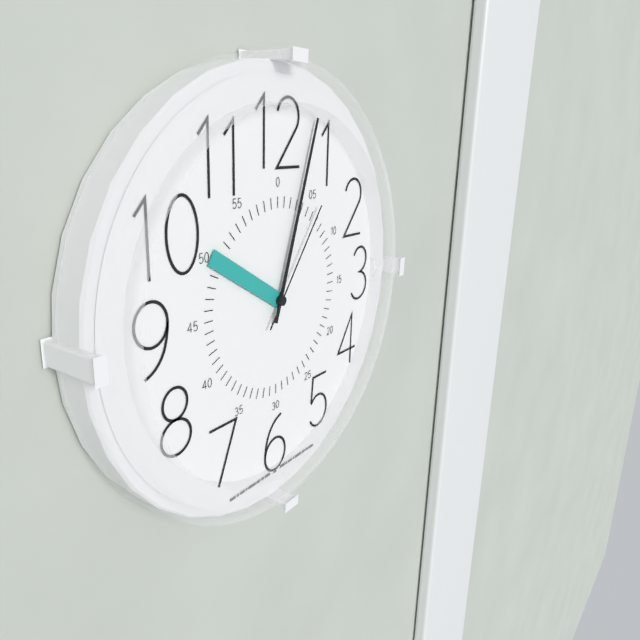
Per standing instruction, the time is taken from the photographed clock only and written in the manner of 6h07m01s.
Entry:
10h03m06s
